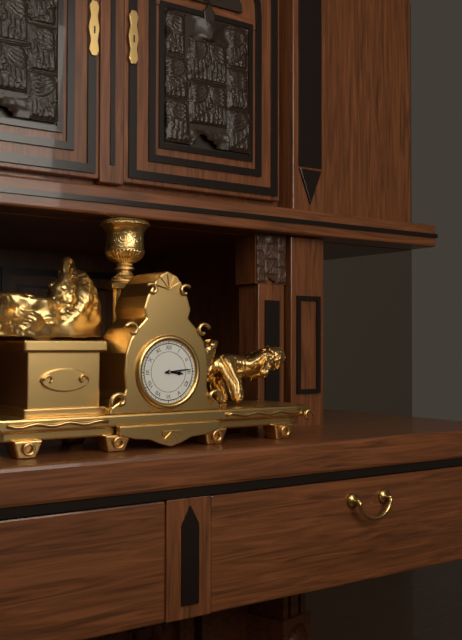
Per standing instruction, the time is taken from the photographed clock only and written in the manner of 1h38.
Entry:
3h14
